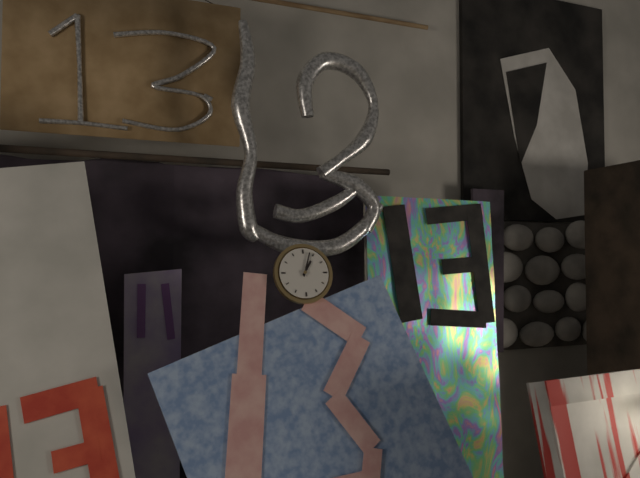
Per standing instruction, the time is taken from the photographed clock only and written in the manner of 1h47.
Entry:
1h03
